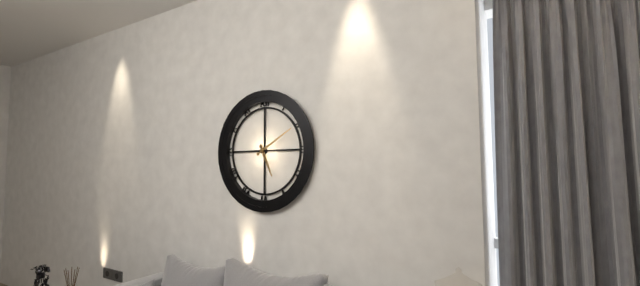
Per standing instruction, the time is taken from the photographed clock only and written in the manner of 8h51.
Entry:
5h10
